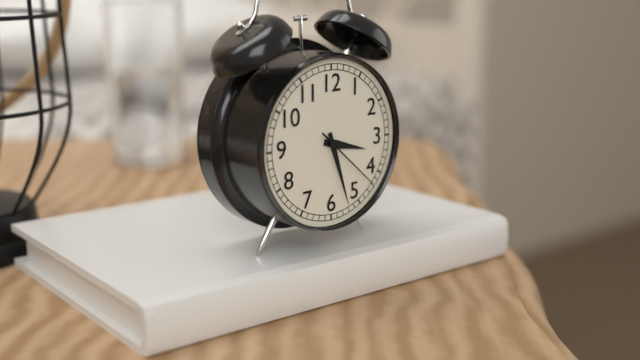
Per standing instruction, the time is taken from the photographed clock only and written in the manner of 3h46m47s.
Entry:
3h27m22s
